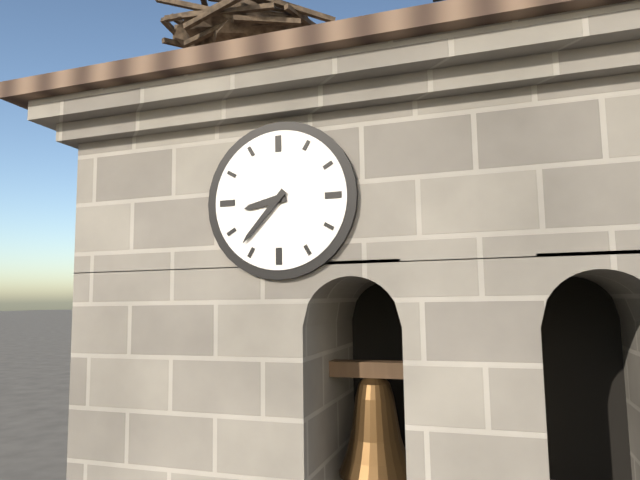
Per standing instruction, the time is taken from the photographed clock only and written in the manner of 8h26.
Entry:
8h37
